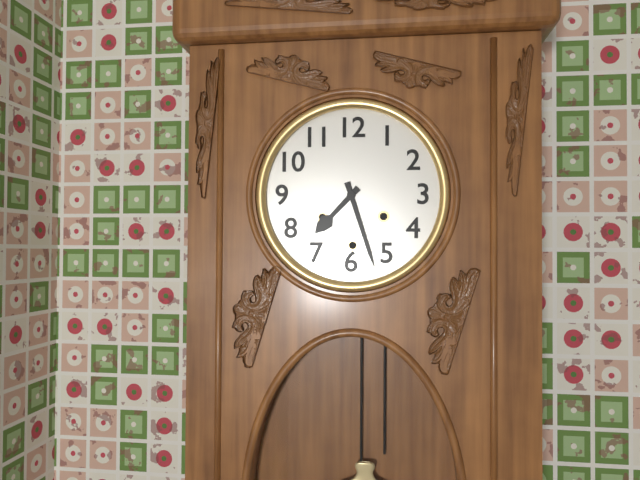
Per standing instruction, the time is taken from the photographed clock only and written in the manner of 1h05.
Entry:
7h27
